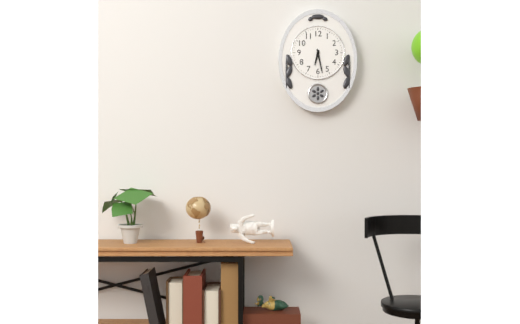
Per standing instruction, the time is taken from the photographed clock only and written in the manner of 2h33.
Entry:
6h28
